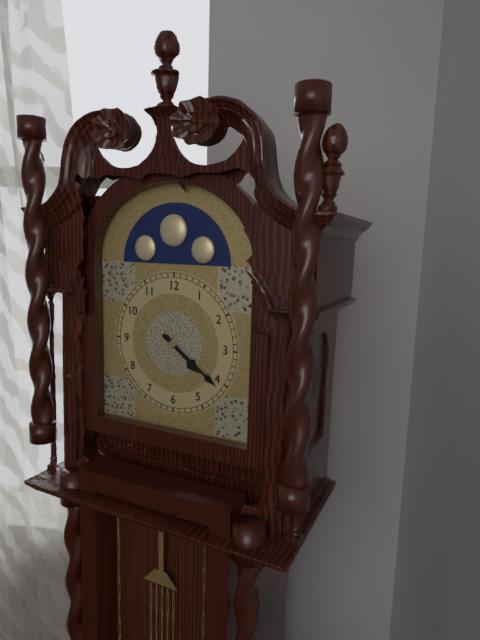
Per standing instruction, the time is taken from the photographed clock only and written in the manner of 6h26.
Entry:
4h21
